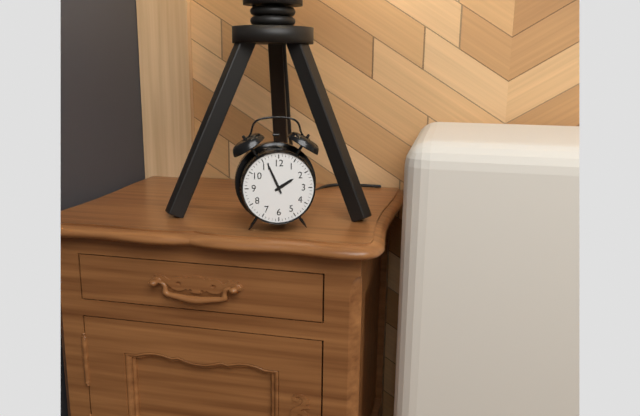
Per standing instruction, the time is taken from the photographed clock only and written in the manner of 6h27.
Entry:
1h56
